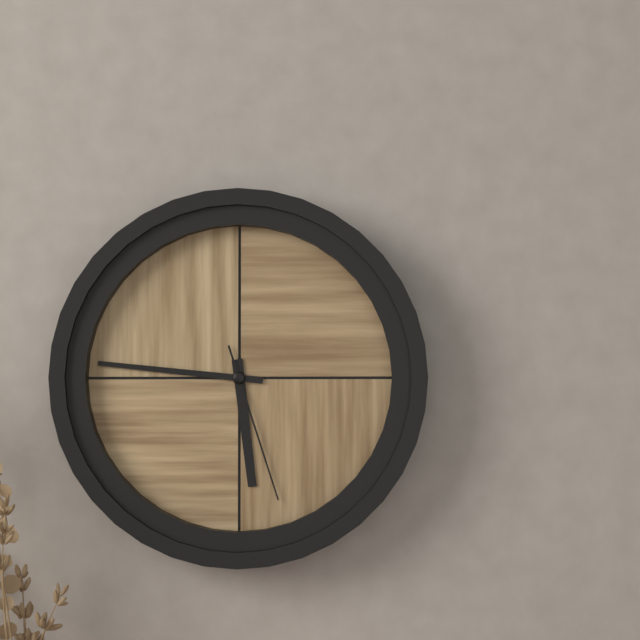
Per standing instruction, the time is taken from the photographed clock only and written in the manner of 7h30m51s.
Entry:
5h46m27s
